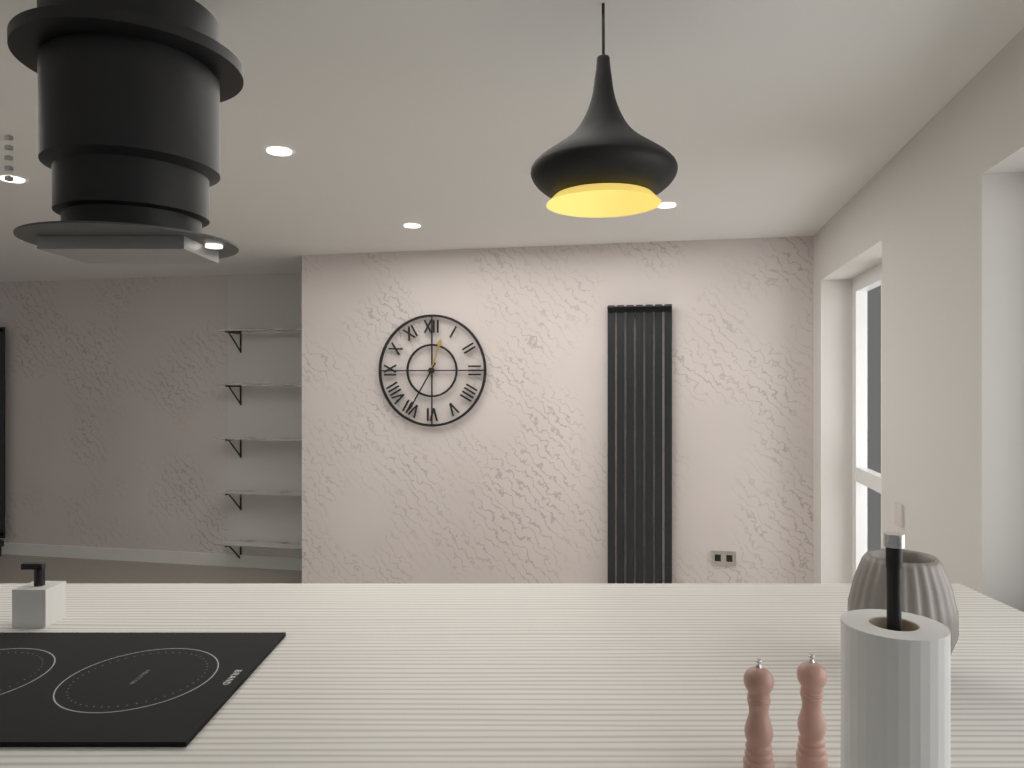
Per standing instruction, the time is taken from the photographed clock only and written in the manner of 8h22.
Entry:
12h35
